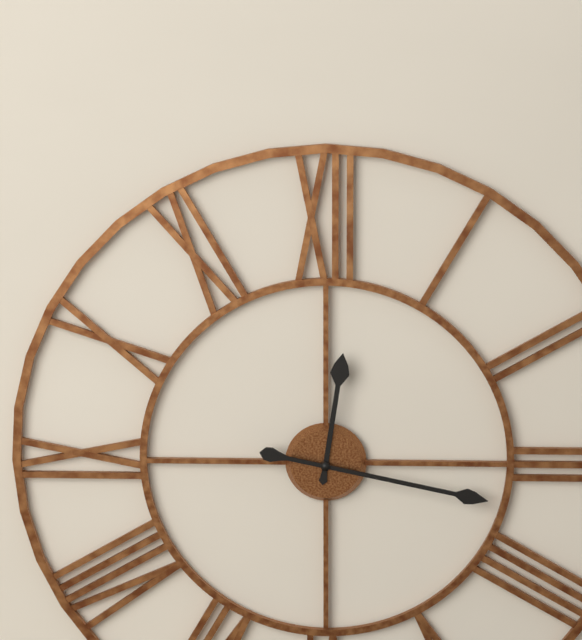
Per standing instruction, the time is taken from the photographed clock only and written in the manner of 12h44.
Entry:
12h17
